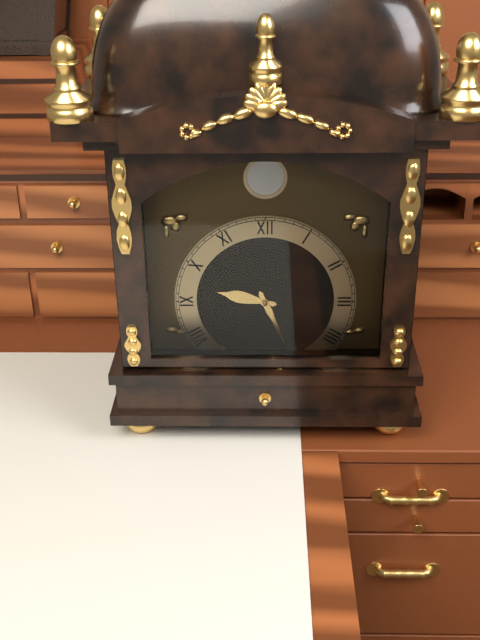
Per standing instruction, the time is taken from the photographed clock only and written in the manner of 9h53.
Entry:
9h26
